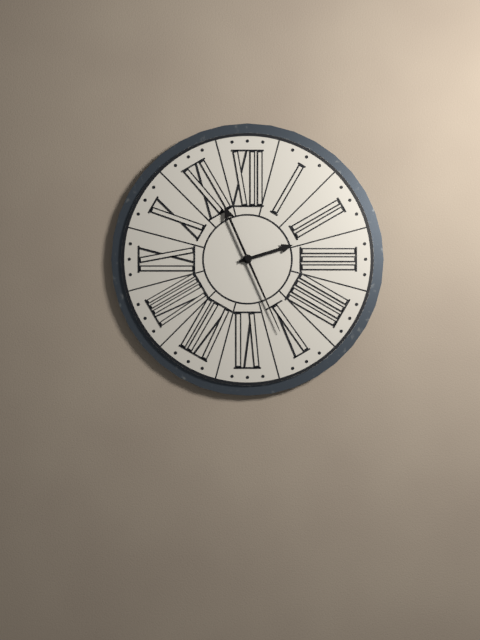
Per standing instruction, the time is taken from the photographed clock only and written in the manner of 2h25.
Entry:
2h26
